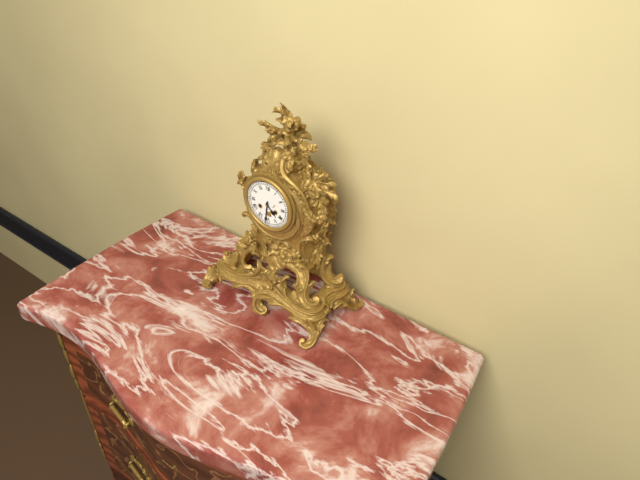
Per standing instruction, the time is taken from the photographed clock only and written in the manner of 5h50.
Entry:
4h31
